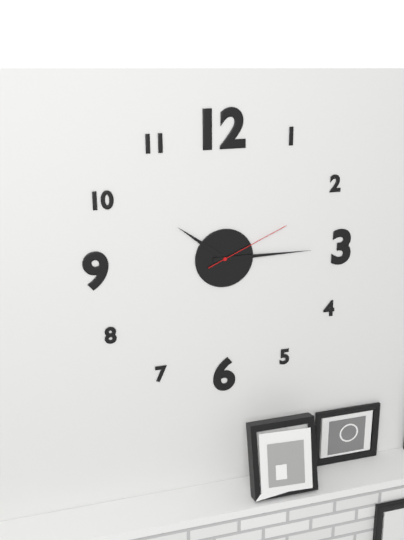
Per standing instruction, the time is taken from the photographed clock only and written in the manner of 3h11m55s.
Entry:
10h15m11s
